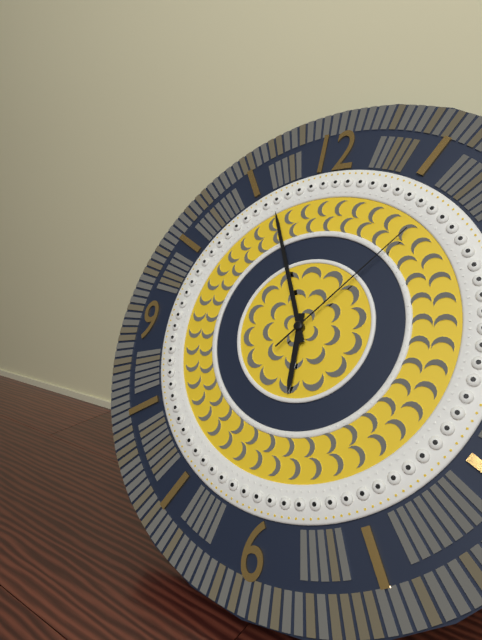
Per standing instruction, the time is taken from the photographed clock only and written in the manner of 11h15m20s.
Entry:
5h56m07s
